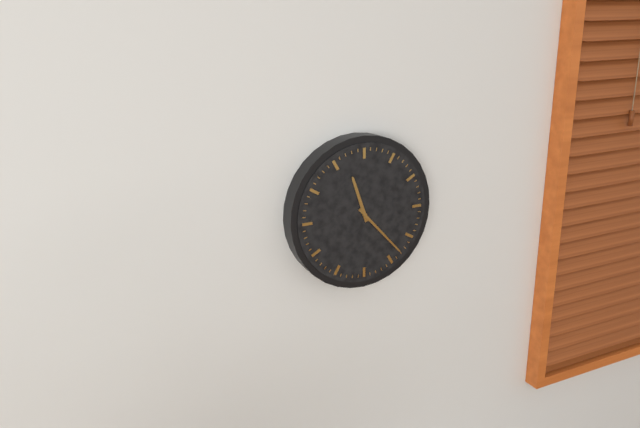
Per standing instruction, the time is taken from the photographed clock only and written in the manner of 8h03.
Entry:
11h23
